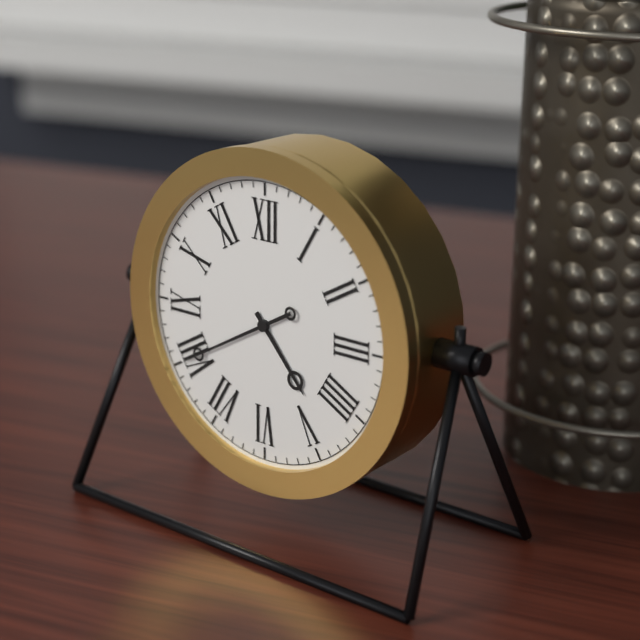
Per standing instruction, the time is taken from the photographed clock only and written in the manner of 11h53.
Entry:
4h40
